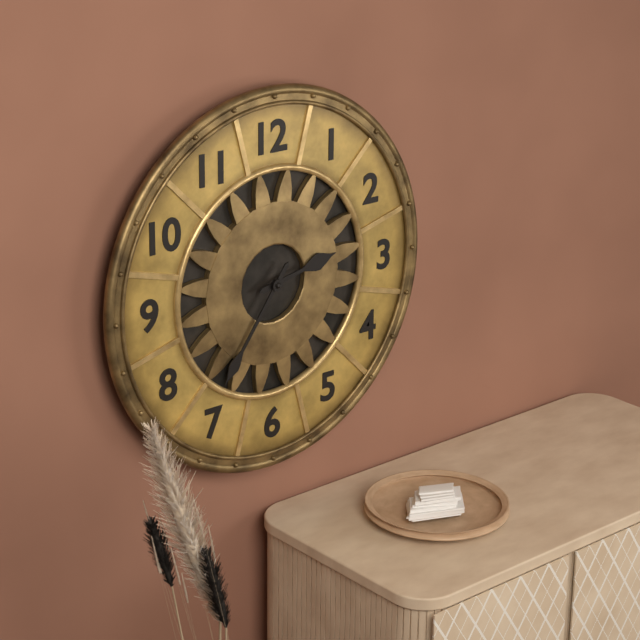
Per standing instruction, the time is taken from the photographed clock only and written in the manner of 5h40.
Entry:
2h36
